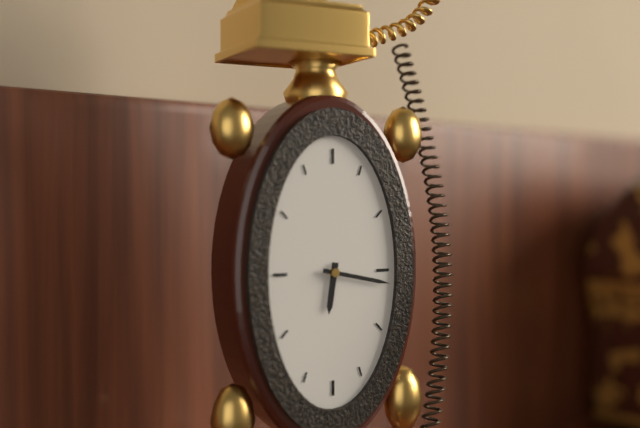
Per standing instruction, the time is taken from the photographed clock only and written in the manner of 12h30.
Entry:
6h17
